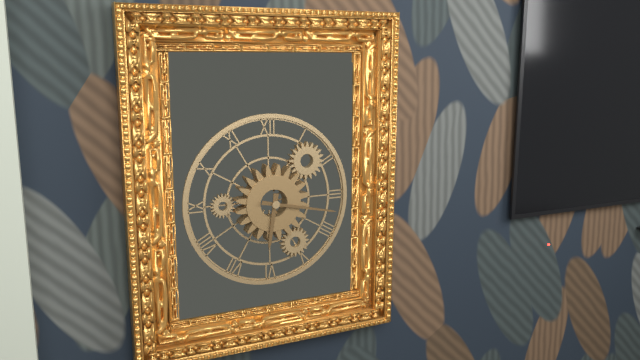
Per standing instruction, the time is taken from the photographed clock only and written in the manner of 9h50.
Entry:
6h17
